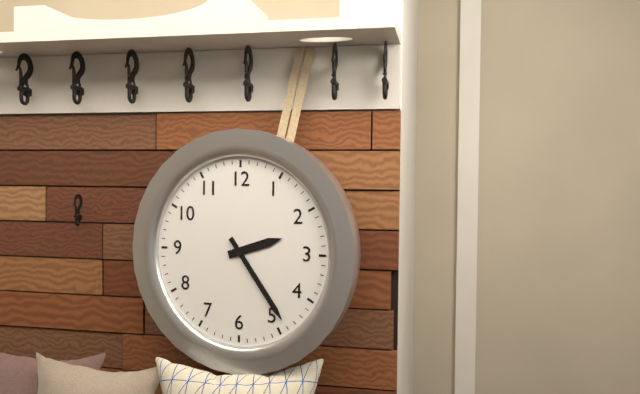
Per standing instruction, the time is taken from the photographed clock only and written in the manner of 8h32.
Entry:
2h24
